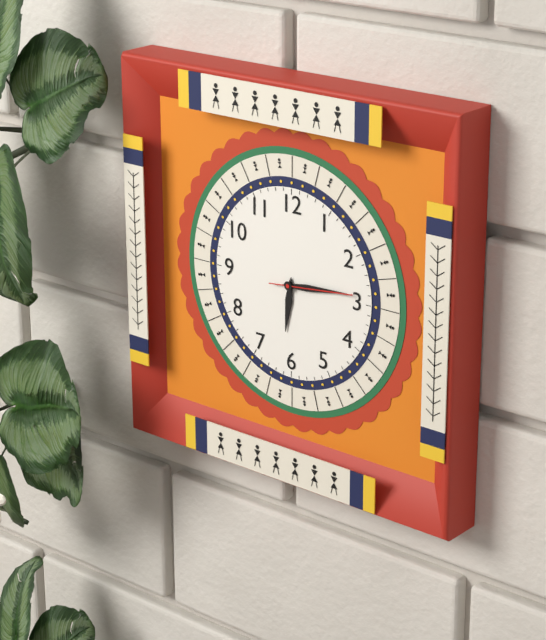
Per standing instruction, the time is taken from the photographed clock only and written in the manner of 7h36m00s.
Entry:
6h14m14s
